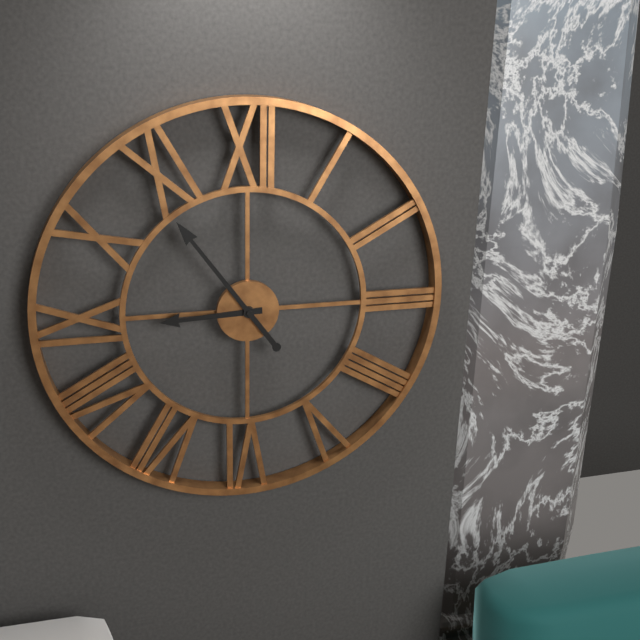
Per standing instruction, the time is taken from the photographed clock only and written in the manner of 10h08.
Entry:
8h54
